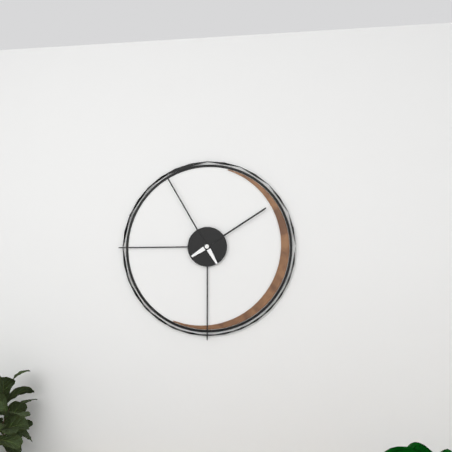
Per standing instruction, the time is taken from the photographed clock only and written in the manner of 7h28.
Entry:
1h55
